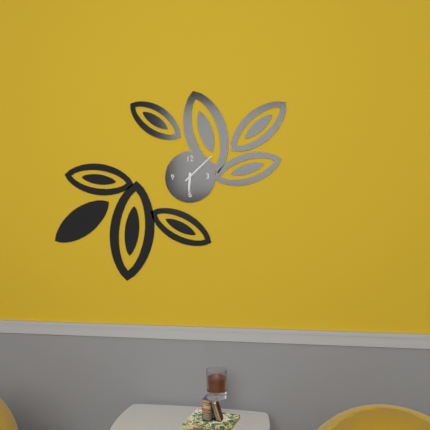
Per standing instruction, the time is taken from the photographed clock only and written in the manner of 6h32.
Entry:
6h08
